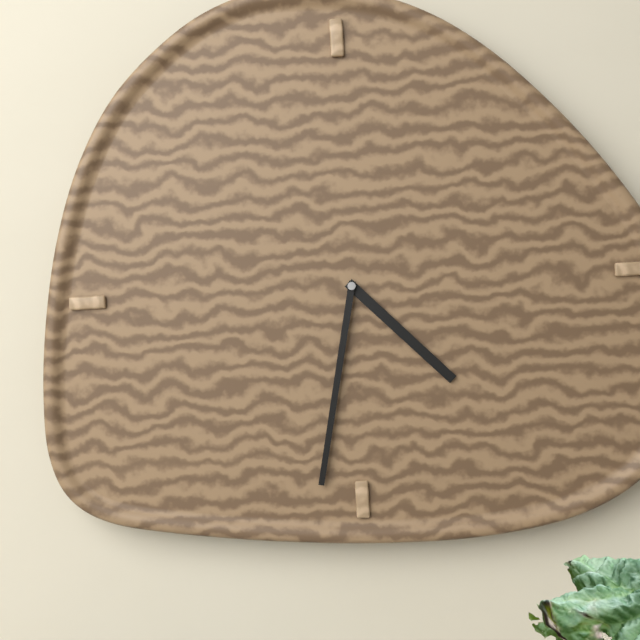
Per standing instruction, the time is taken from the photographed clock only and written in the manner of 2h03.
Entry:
4h32
